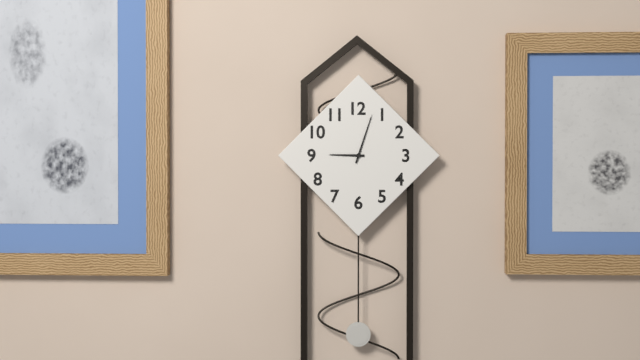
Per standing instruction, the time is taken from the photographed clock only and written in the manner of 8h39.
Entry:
9h03
